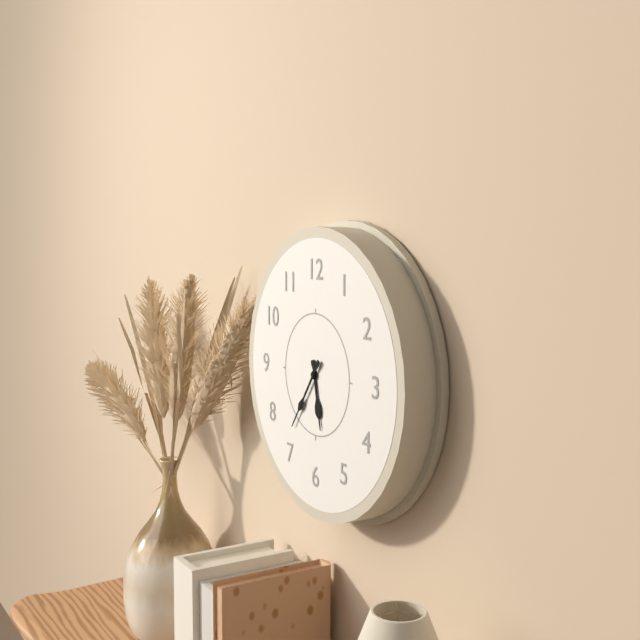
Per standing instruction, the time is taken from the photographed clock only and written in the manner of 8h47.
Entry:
5h36
